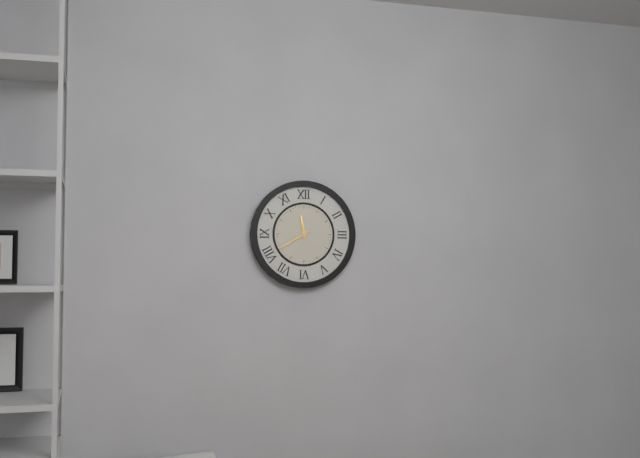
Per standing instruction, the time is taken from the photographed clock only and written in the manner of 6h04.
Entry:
11h40
